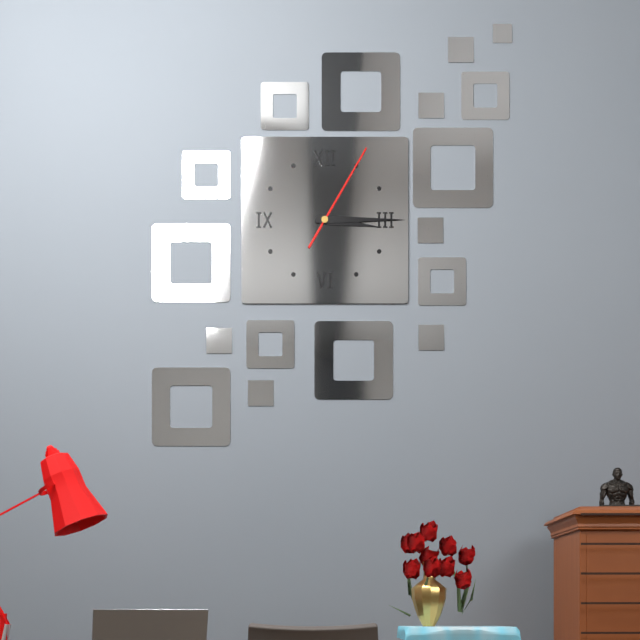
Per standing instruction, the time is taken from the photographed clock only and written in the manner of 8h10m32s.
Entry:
3h15m05s
